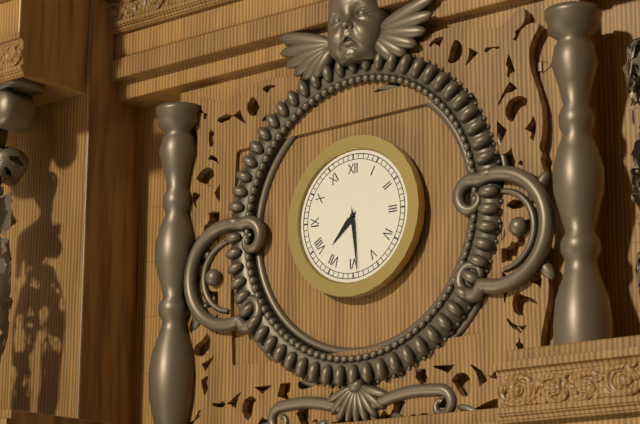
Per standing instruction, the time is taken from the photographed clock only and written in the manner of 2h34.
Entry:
7h29
